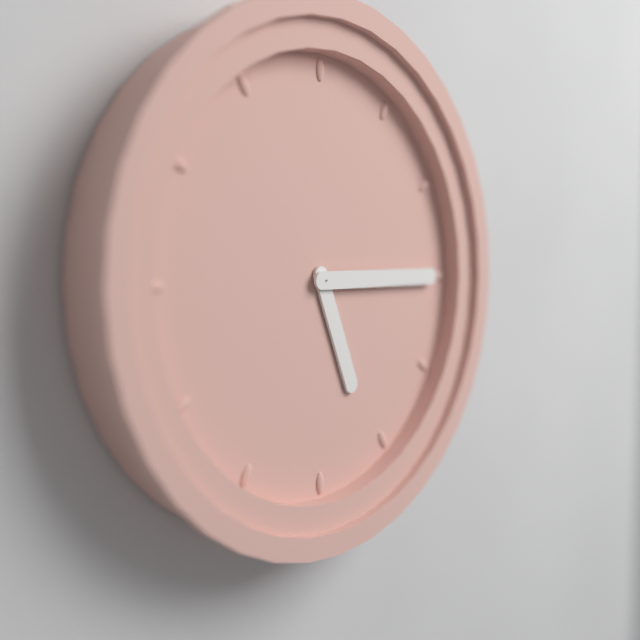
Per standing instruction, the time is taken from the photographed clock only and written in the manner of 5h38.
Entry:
5h15
